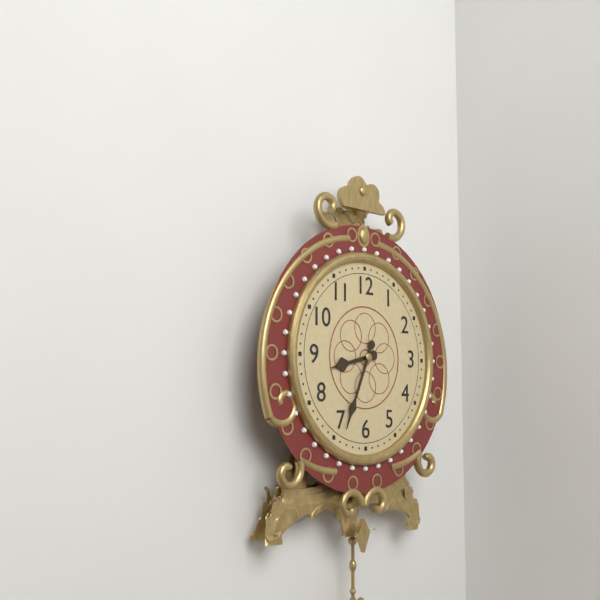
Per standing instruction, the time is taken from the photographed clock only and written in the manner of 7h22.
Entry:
8h34
